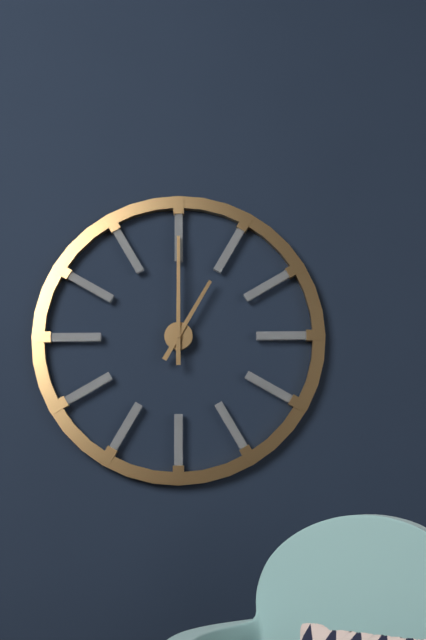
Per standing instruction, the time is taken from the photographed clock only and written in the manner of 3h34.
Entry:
1h00
